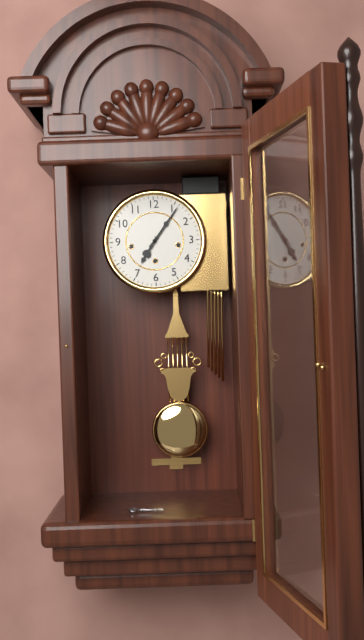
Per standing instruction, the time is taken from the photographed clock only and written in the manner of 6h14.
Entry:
7h06
